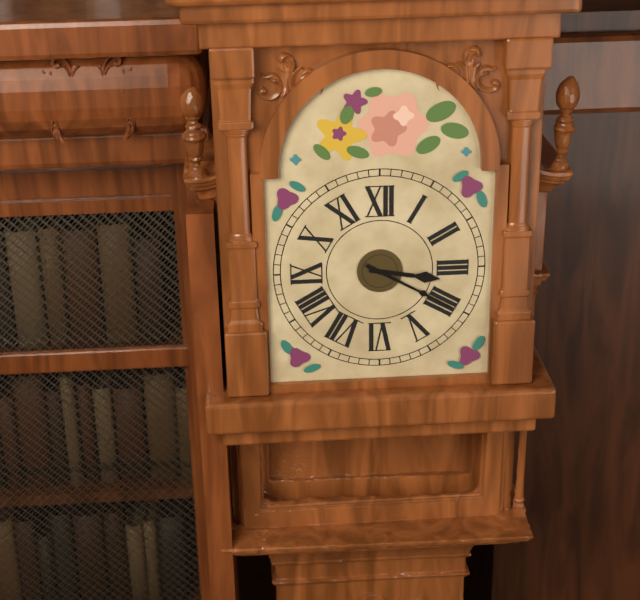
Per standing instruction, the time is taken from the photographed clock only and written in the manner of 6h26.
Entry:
3h20
